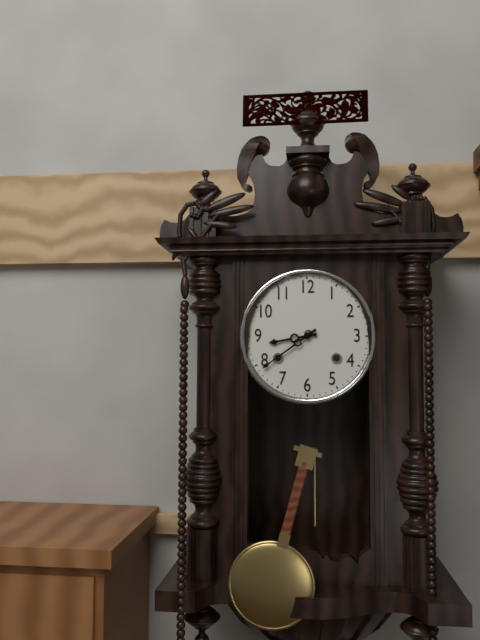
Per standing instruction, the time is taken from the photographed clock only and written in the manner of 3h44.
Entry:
8h39
